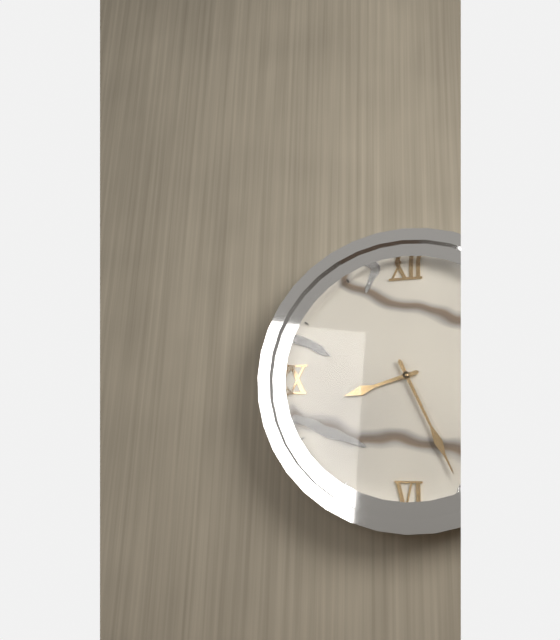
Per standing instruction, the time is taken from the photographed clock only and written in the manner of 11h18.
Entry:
8h26
